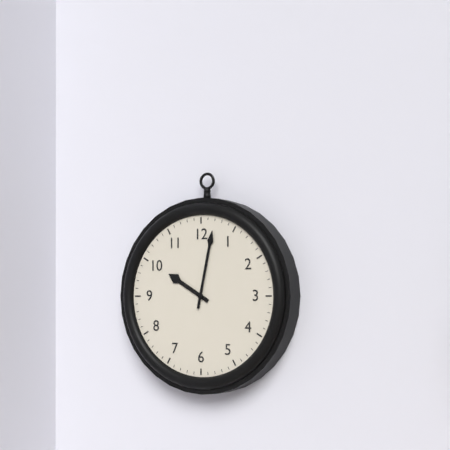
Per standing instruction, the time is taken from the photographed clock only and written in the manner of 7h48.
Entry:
10h02
